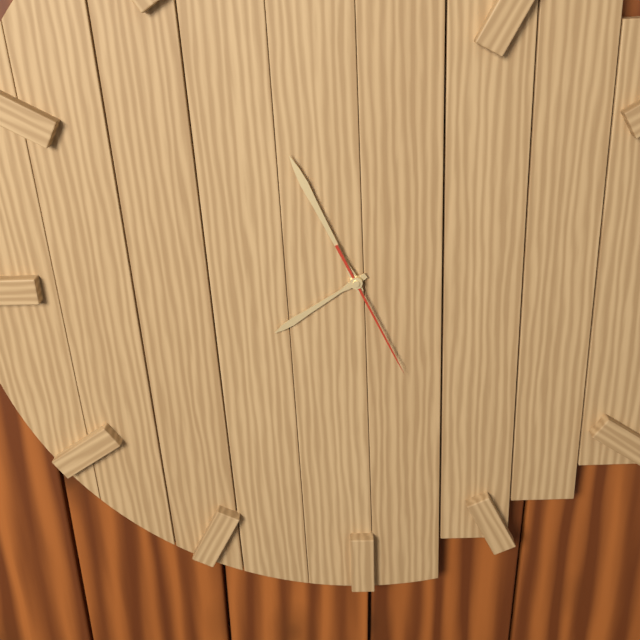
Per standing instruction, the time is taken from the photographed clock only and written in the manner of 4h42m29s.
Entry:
7h56m26s
